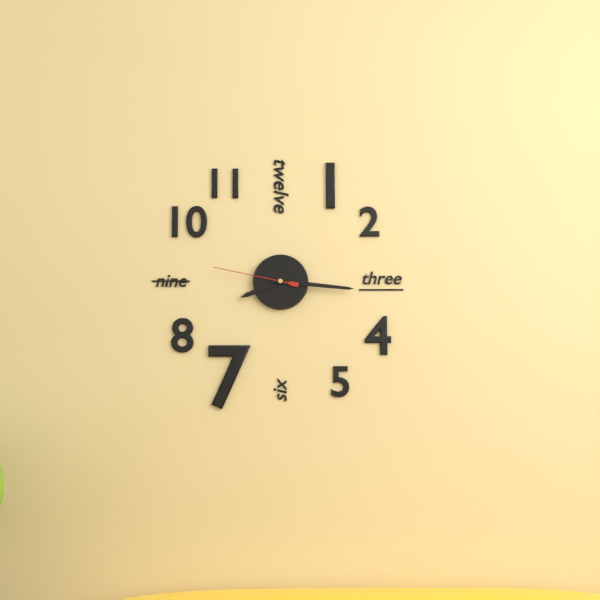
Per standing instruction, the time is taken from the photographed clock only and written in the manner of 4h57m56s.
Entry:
8h16m47s
